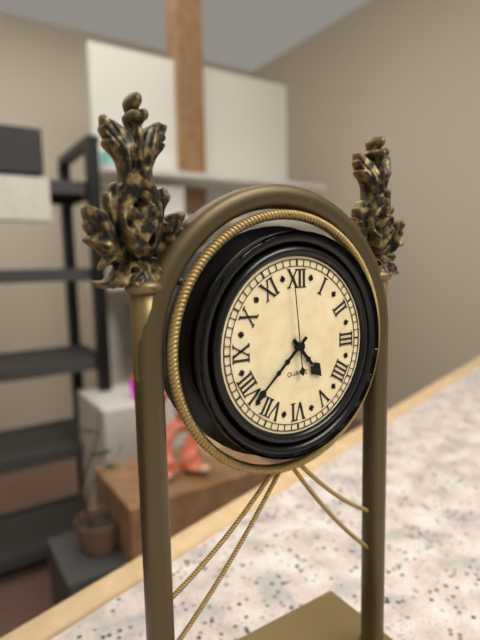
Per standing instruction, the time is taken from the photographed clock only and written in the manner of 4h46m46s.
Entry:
4h38m59s
